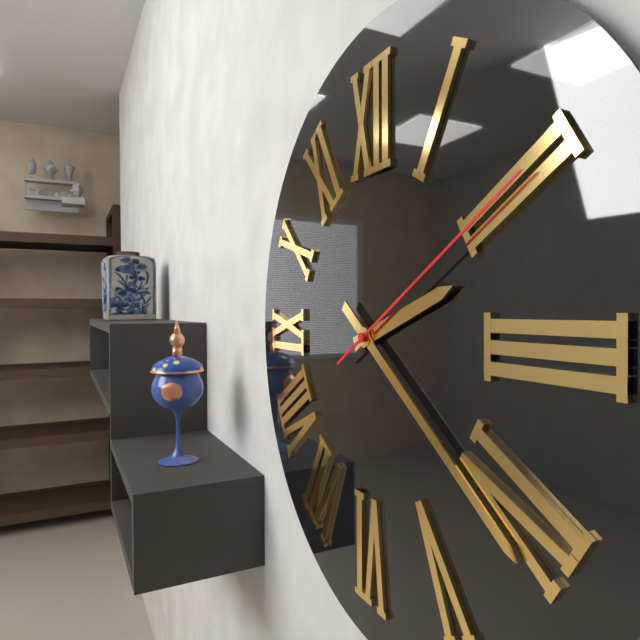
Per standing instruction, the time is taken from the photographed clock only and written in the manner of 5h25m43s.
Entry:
2h21m10s
